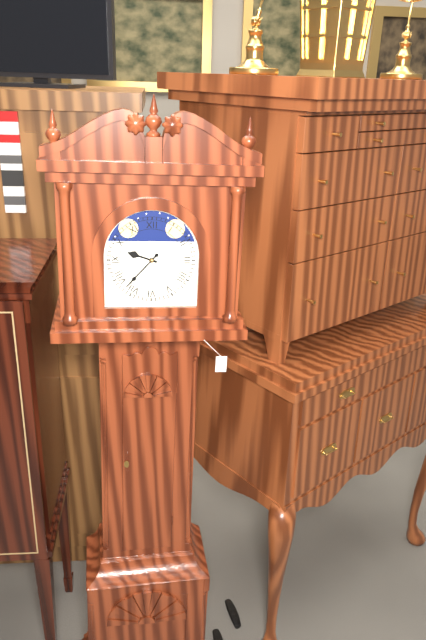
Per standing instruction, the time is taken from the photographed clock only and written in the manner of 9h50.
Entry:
9h37
